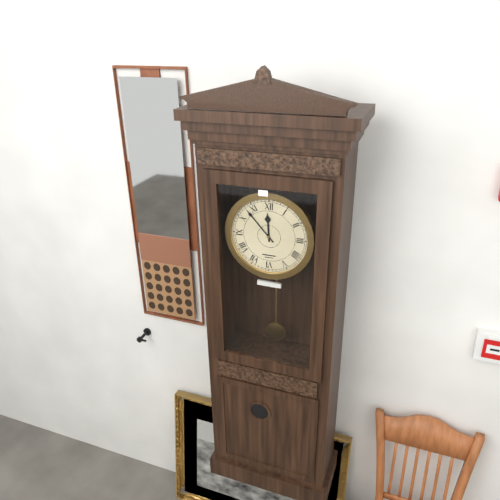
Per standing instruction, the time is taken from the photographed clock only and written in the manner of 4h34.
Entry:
11h53
